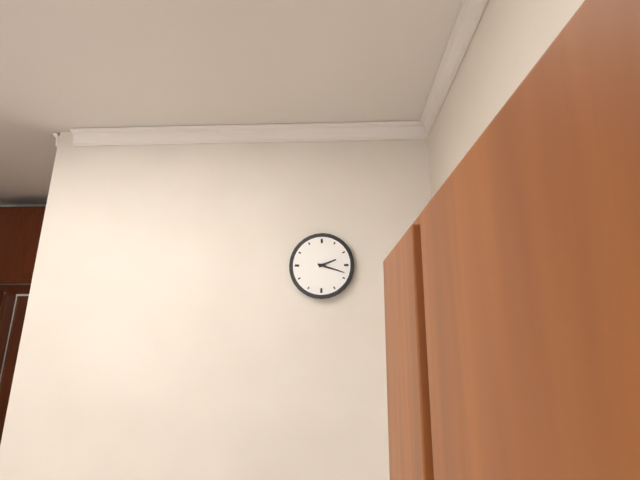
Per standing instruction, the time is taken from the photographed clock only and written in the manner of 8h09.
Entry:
2h18
